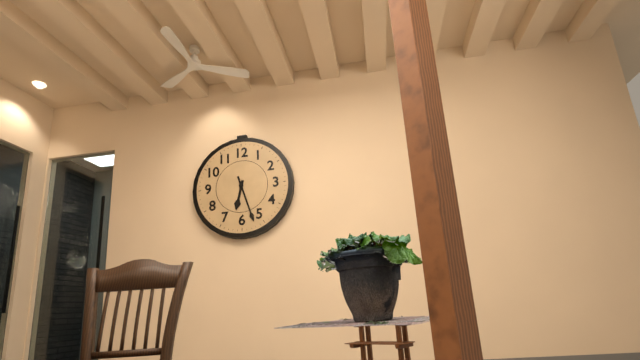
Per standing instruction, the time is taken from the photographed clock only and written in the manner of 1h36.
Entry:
6h27
